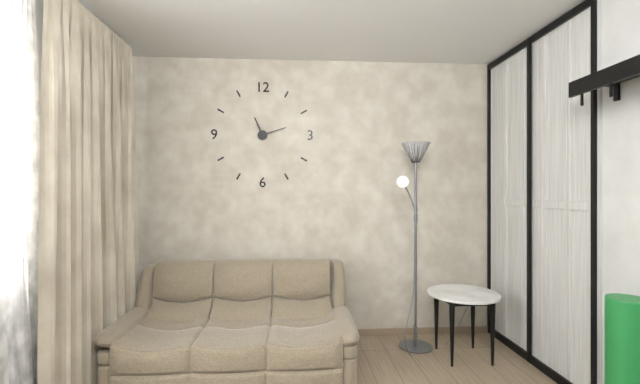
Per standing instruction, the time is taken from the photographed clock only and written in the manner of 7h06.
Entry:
11h12
